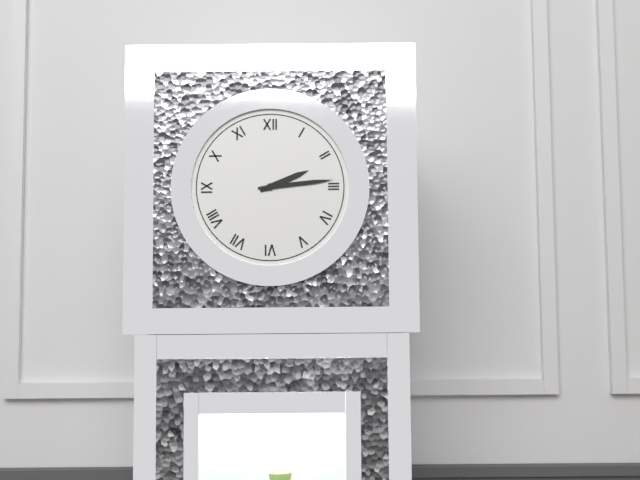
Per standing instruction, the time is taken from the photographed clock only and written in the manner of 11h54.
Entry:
2h14
